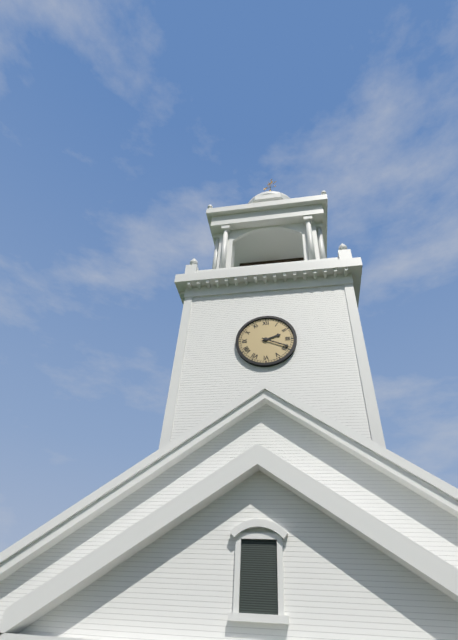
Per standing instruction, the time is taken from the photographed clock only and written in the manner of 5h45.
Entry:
2h19
